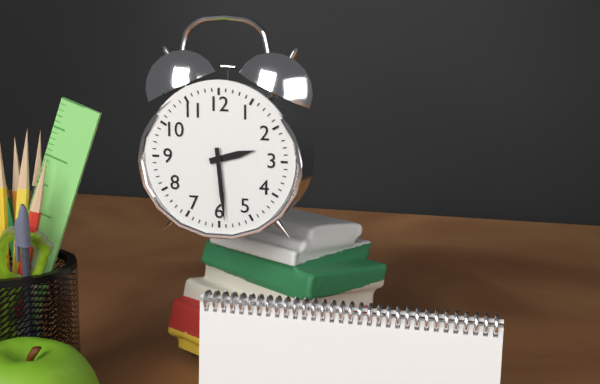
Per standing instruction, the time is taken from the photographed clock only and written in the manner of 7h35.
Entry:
2h29
